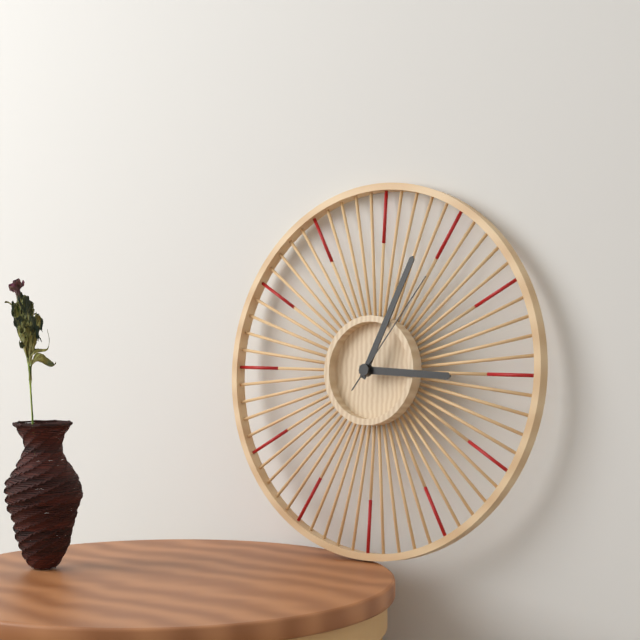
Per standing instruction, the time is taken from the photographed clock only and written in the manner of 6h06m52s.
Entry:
3h04m06s
